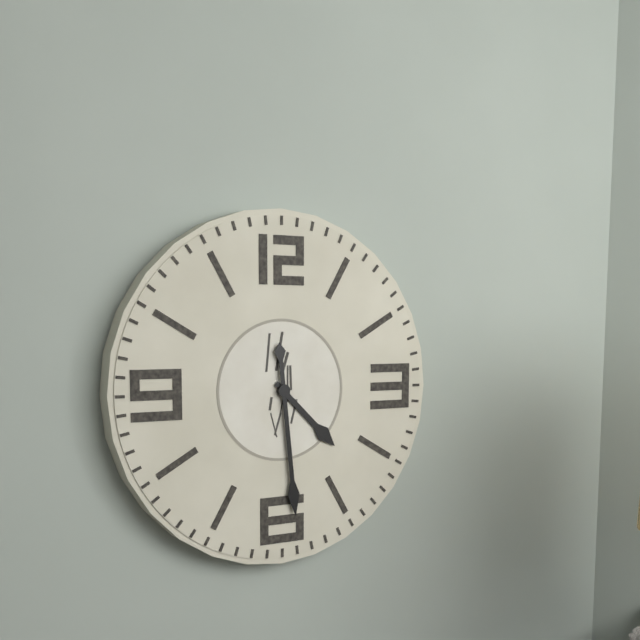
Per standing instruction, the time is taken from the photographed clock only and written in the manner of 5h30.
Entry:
4h29
